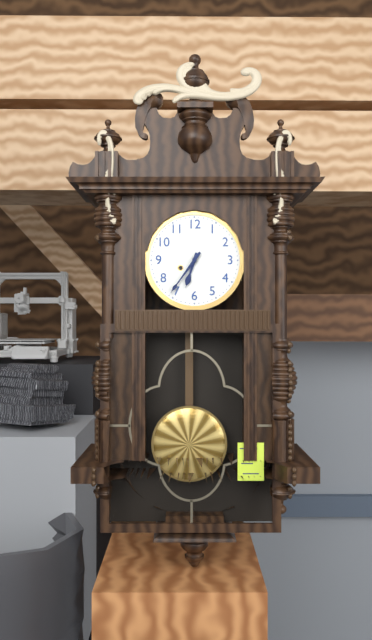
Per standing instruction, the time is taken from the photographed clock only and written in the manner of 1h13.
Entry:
6h36
